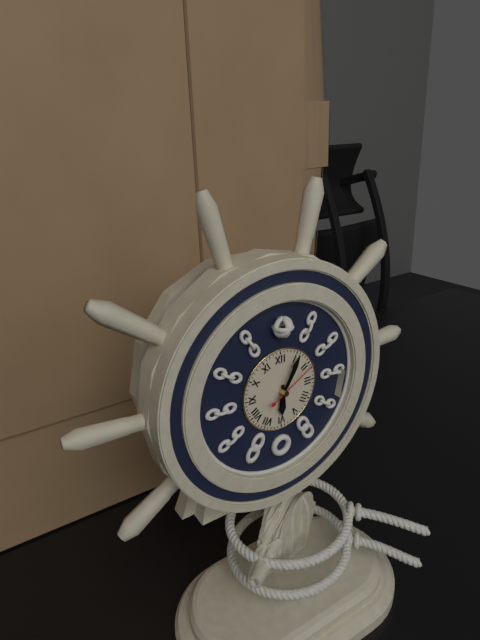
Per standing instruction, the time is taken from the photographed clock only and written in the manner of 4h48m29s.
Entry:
6h05m10s
